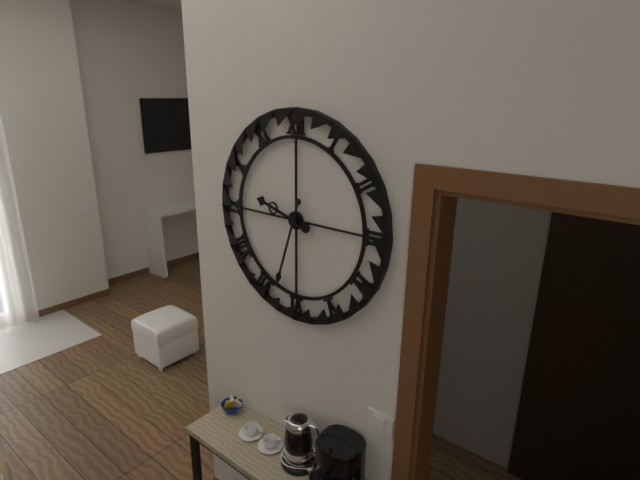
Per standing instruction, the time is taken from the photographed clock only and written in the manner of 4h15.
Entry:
9h33
